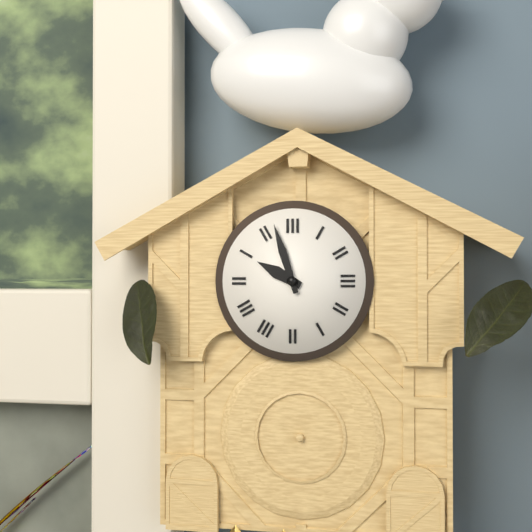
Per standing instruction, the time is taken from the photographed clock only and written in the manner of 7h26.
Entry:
9h57
